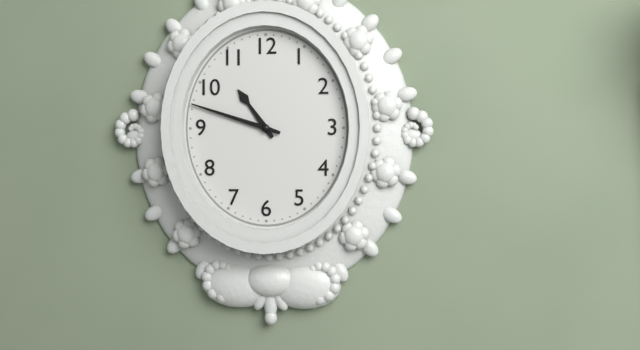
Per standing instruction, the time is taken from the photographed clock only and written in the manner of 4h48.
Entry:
10h48
